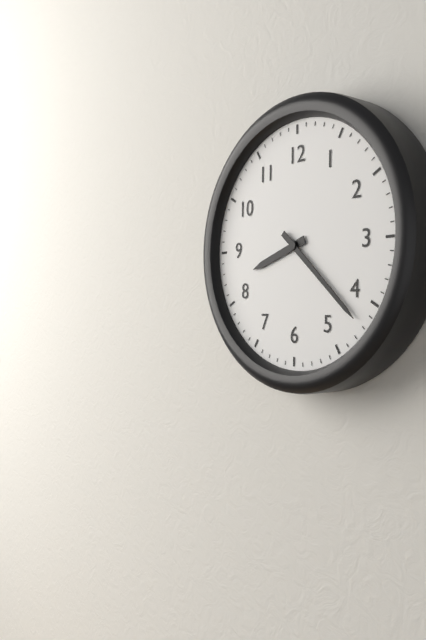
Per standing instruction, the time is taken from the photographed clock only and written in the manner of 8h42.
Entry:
8h22
